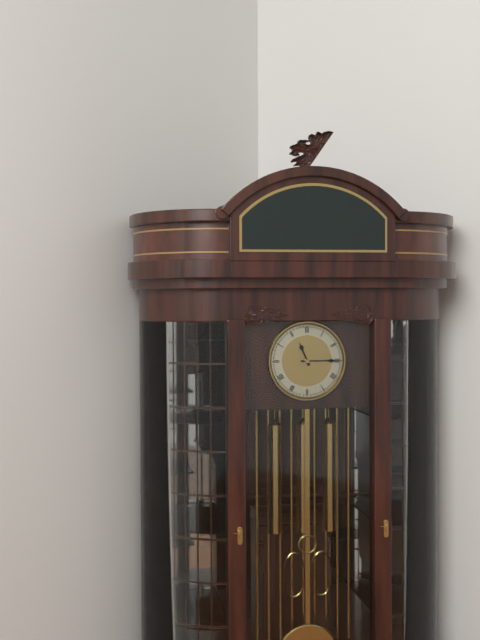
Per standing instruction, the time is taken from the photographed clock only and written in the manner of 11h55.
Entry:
11h15
